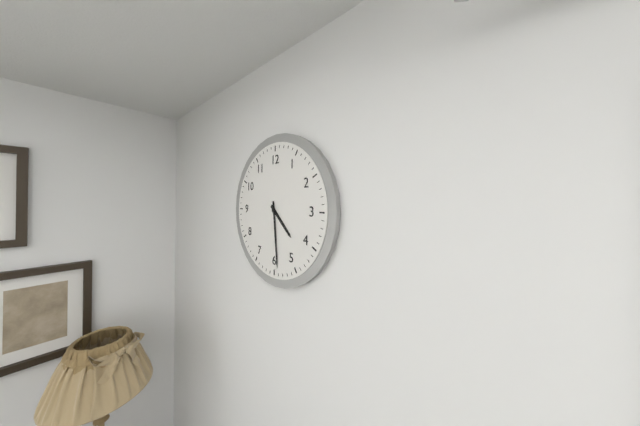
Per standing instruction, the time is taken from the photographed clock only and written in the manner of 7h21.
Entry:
4h29
